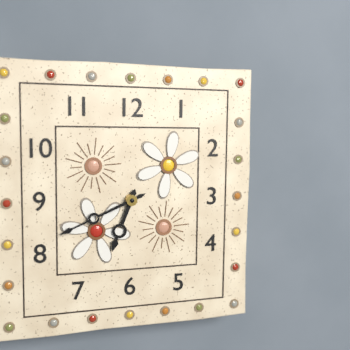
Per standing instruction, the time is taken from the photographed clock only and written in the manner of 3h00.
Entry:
6h41
